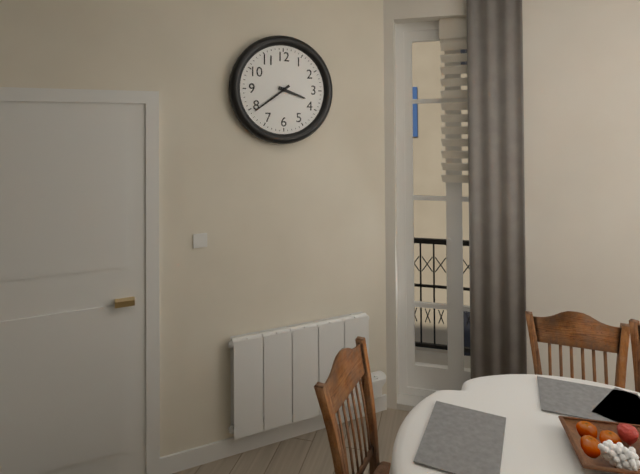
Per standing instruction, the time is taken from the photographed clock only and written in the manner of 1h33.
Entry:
3h39
